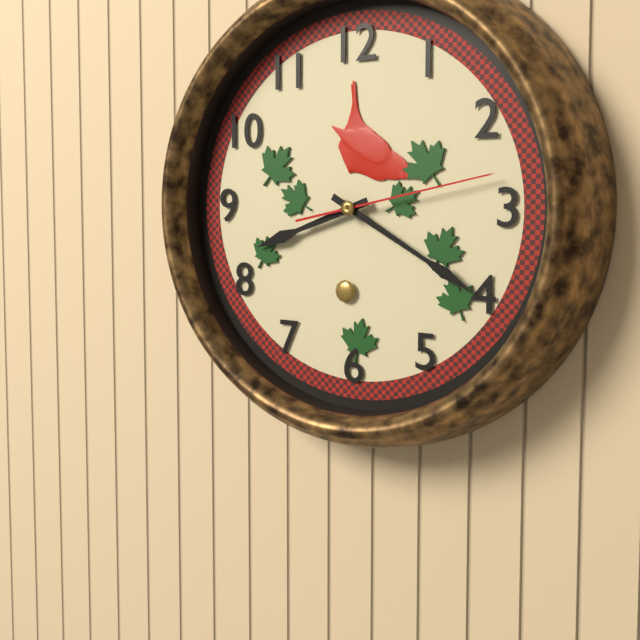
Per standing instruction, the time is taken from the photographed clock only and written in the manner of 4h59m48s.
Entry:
8h20m13s
